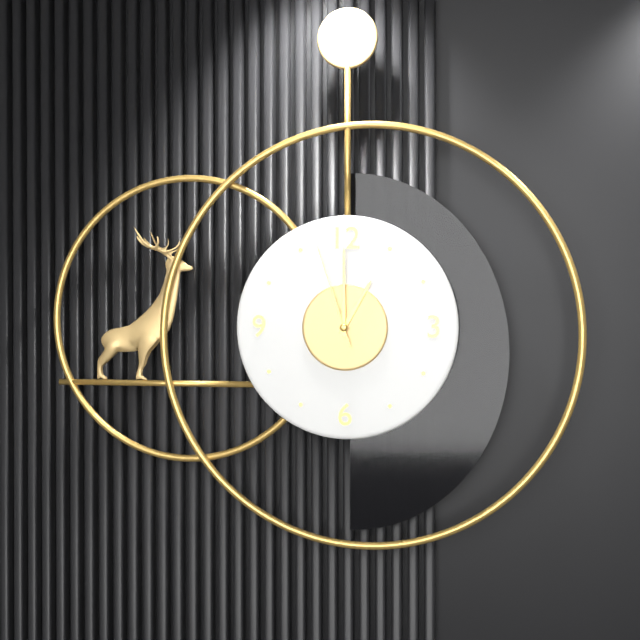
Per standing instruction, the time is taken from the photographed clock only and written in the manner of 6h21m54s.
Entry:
1h00m57s
